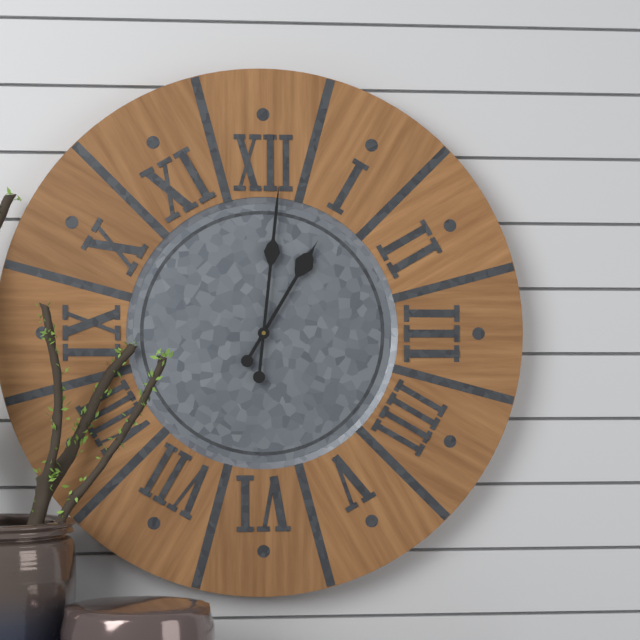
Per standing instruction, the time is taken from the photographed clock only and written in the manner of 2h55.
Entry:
1h01
